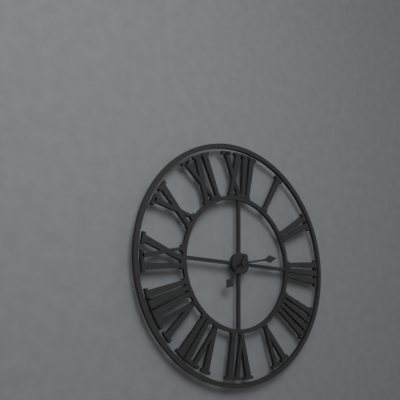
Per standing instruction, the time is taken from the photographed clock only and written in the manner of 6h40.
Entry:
7h13
